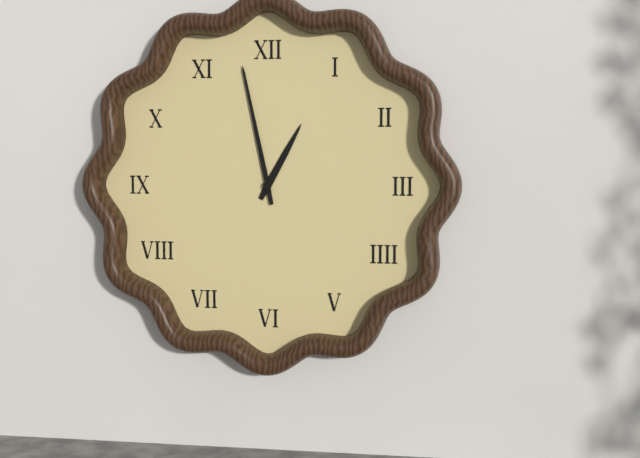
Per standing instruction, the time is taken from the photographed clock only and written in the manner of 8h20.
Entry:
12h58
